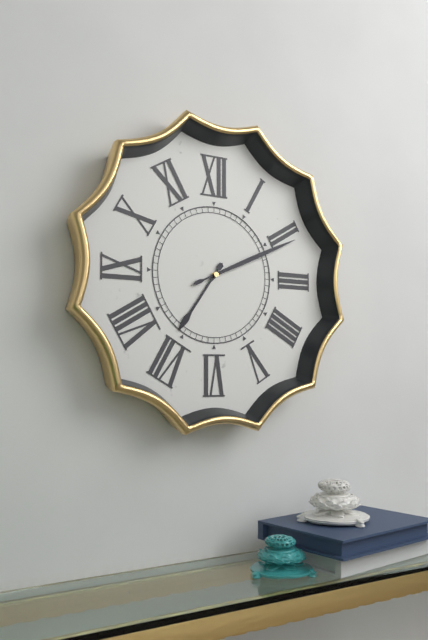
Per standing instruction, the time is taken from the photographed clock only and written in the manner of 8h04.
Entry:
7h11
